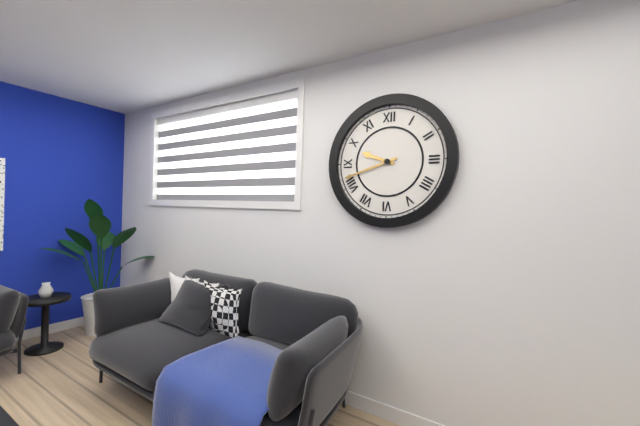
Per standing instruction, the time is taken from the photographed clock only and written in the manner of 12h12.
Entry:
9h42
